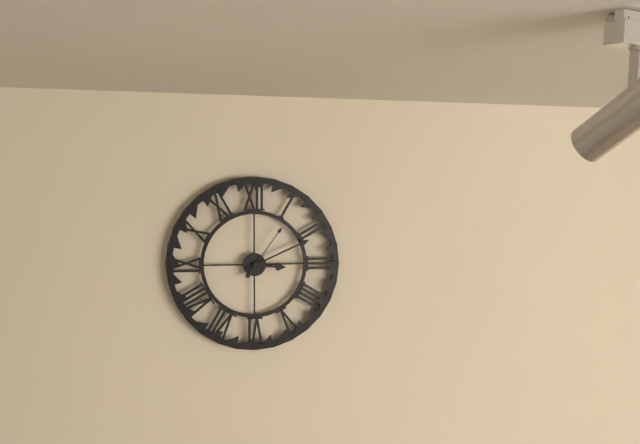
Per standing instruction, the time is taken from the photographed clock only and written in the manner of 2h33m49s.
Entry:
3h11m06s
